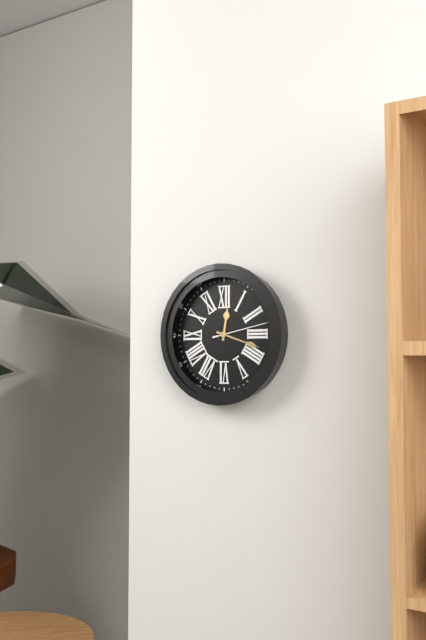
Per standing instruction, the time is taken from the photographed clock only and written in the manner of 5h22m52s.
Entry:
12h18m13s
